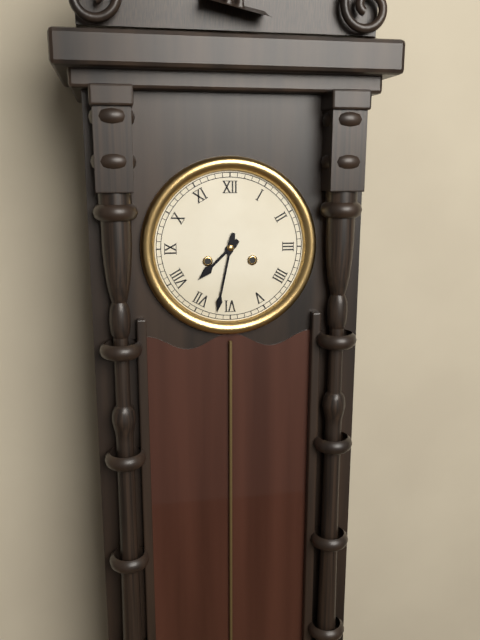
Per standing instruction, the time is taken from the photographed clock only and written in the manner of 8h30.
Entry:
7h32
